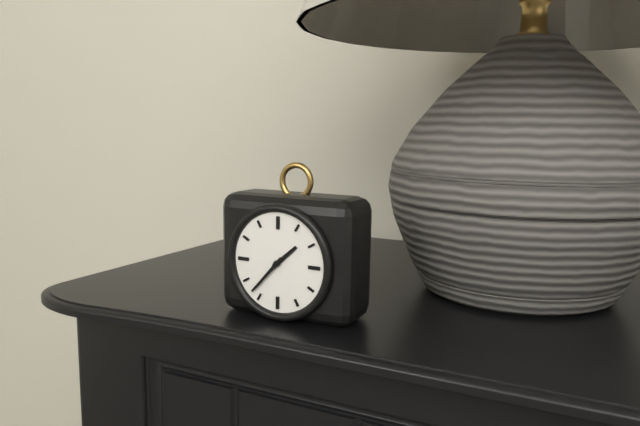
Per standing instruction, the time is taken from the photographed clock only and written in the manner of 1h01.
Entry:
1h37
